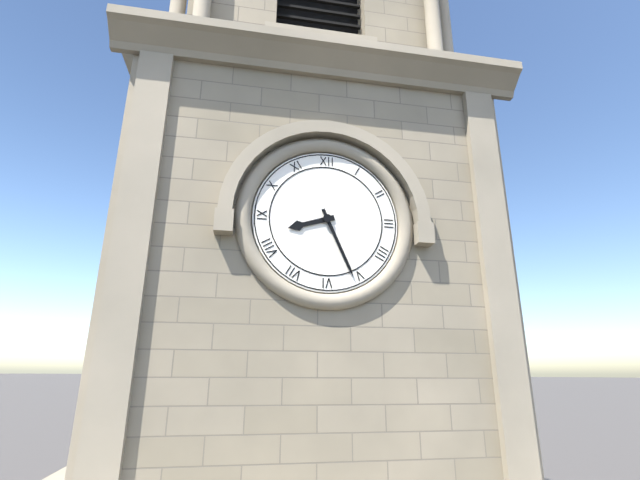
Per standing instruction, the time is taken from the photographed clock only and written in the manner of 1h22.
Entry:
8h26
